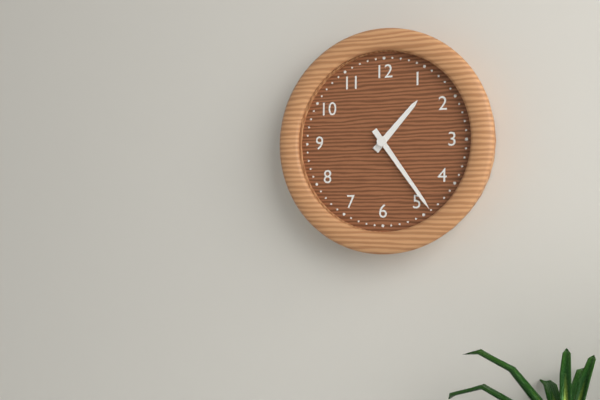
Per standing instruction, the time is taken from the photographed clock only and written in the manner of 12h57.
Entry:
1h24
